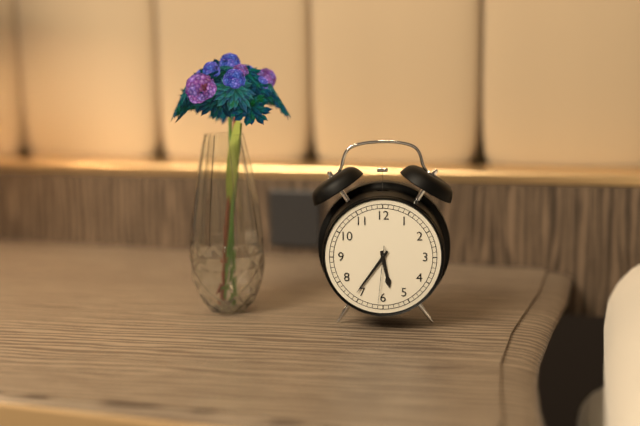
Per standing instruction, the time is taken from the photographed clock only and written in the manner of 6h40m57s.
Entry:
5h36m31s
